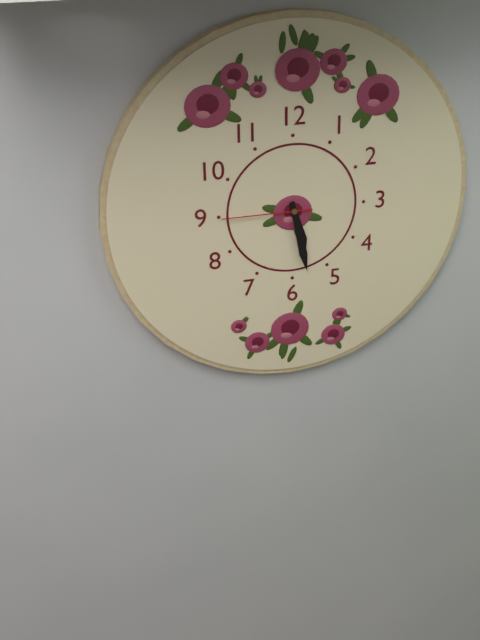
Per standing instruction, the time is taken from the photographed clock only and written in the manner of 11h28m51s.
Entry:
5h28m45s
